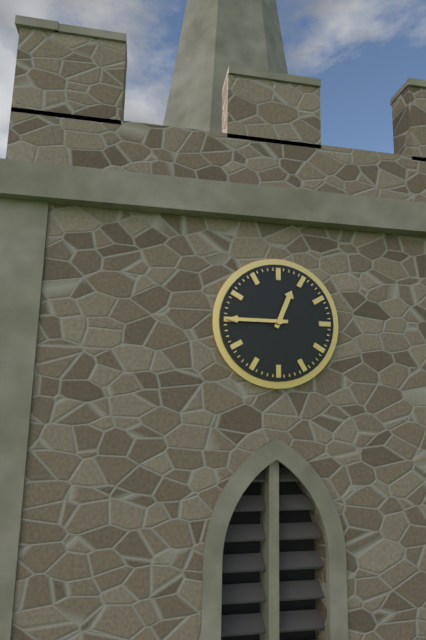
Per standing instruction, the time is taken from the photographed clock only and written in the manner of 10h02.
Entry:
12h45
